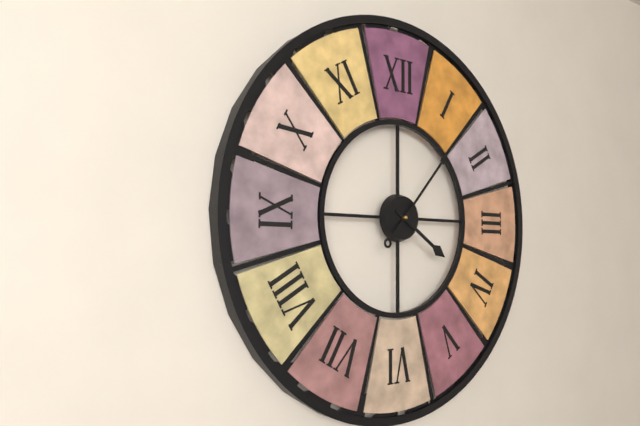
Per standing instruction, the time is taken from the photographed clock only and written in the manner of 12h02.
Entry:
4h07
